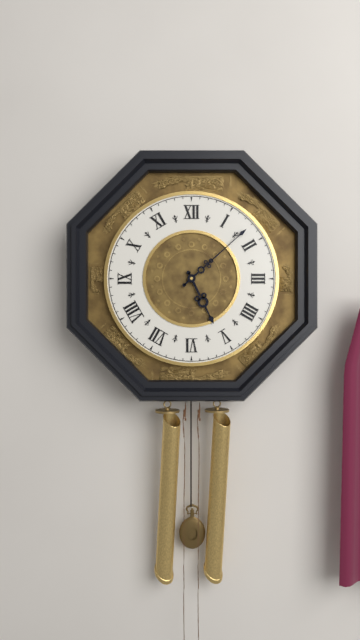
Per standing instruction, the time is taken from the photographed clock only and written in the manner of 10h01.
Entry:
5h08
